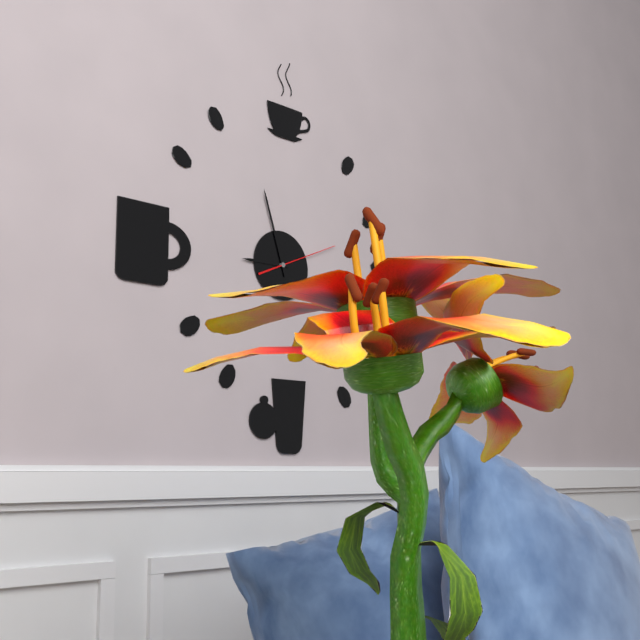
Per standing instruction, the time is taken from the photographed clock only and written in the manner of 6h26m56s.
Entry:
8h57m11s
